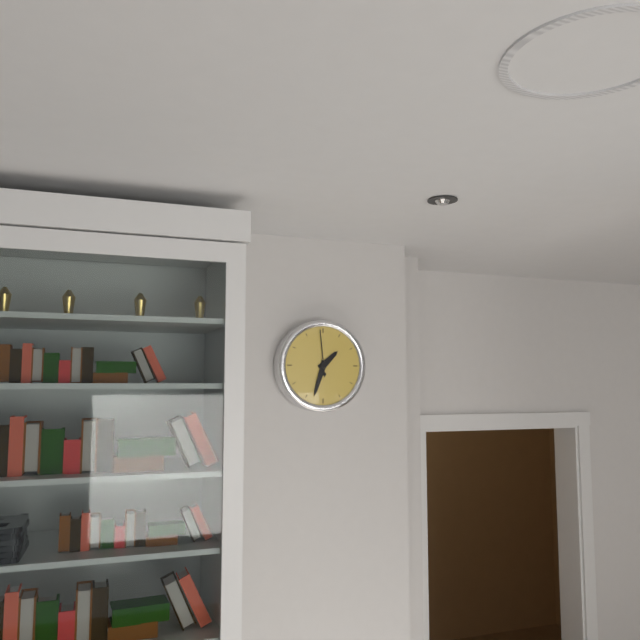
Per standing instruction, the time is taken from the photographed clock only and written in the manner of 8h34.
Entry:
1h33
